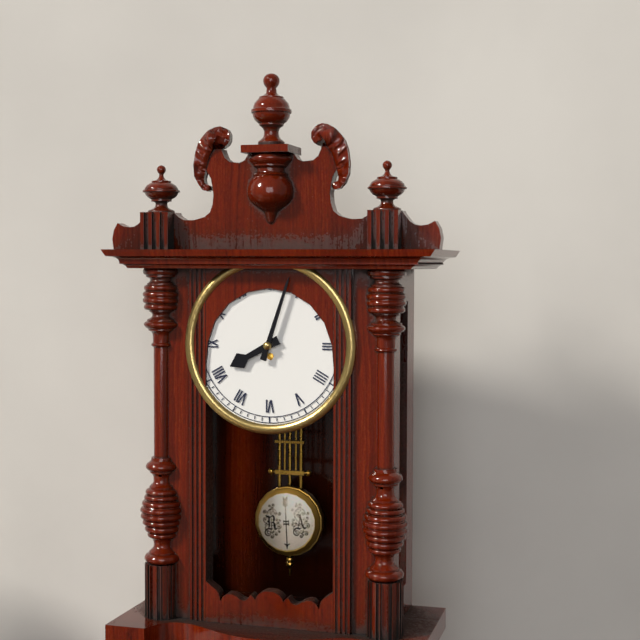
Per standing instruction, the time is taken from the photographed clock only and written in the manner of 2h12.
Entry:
8h03
